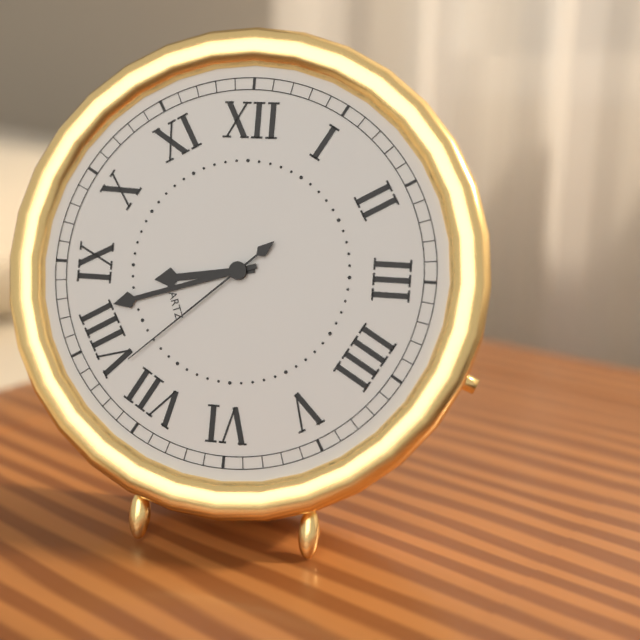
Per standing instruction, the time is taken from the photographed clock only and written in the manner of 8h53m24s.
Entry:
8h42m38s
